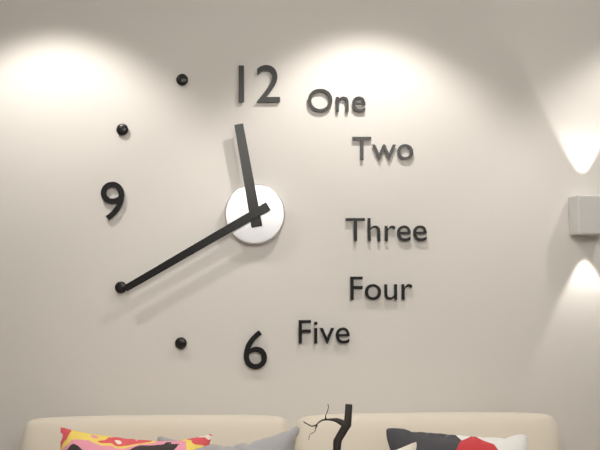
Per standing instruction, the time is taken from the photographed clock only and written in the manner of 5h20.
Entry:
11h40
